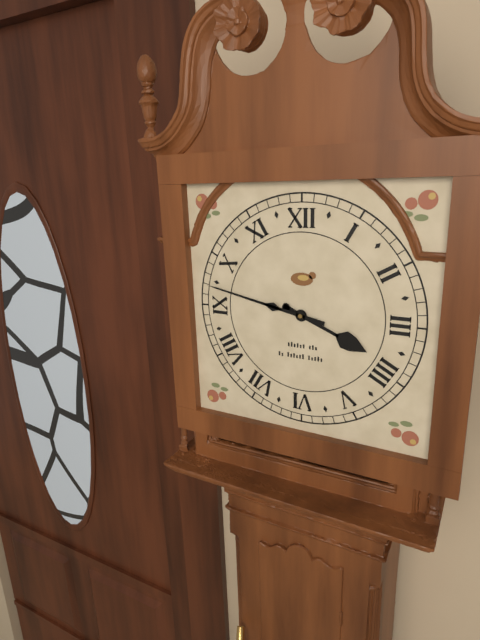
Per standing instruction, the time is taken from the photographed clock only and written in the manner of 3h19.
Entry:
3h47
